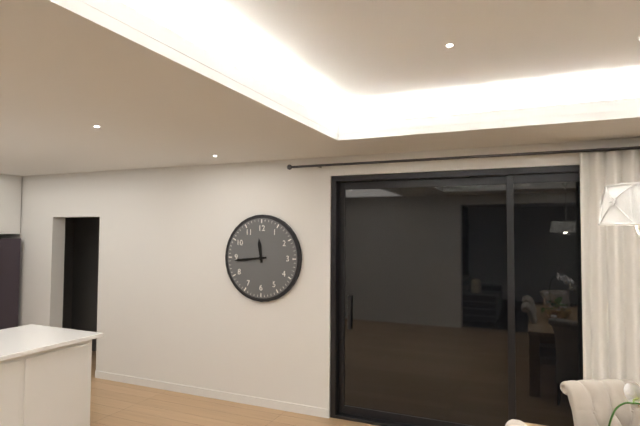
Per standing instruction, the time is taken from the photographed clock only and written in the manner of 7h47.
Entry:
11h44
